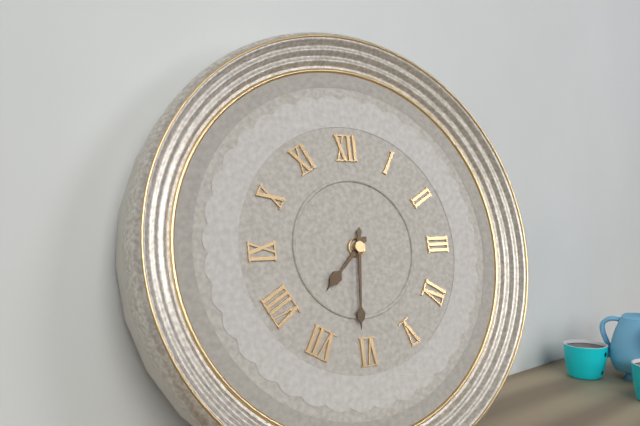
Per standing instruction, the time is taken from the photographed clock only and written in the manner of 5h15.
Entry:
7h31
